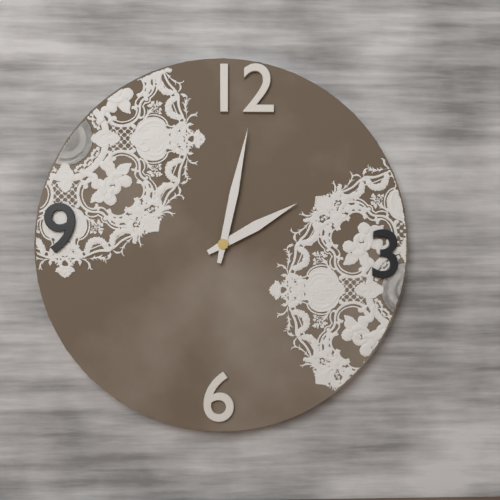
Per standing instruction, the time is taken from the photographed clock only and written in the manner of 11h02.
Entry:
2h02
